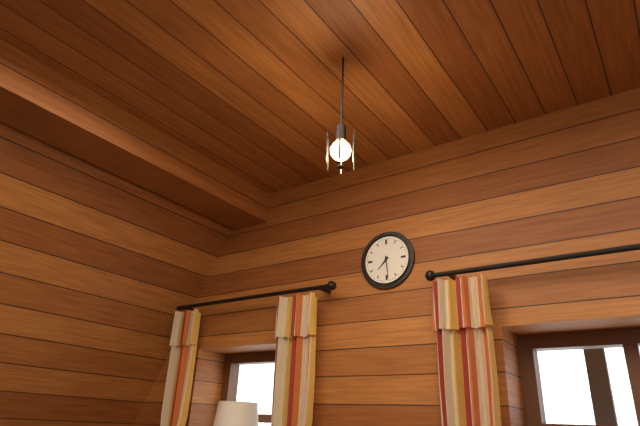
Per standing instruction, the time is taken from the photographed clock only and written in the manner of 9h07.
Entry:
7h29
